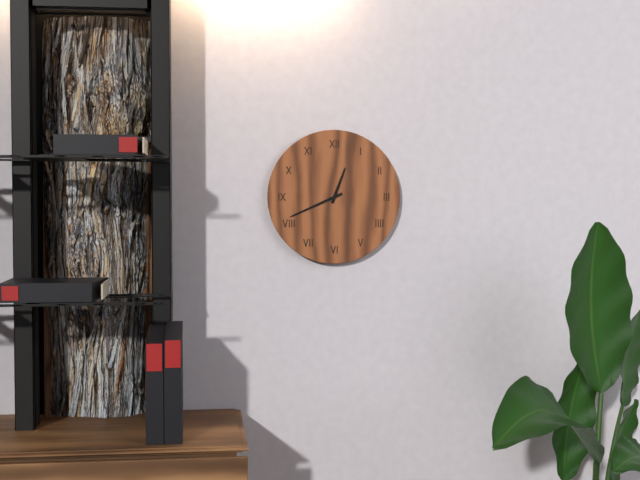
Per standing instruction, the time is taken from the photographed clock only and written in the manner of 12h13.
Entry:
12h41
